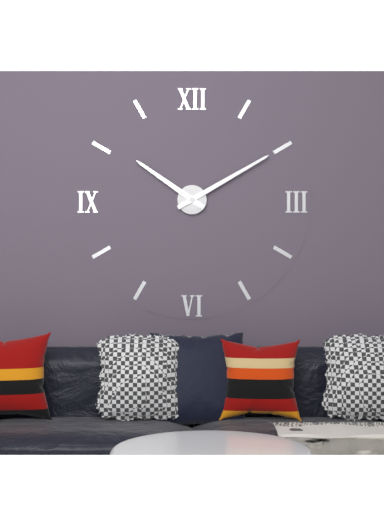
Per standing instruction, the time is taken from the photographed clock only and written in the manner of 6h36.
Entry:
10h10
